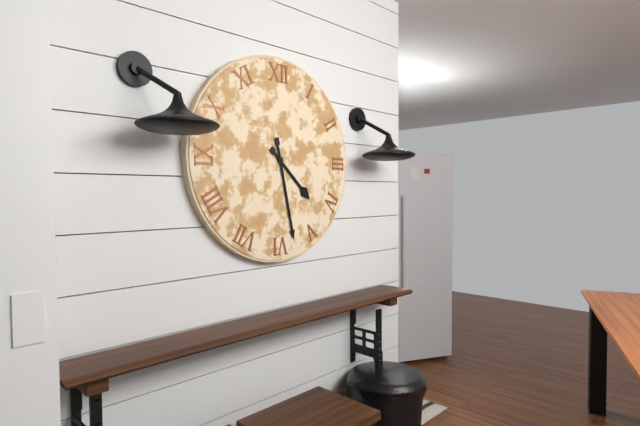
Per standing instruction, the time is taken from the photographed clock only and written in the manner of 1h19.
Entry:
4h28
